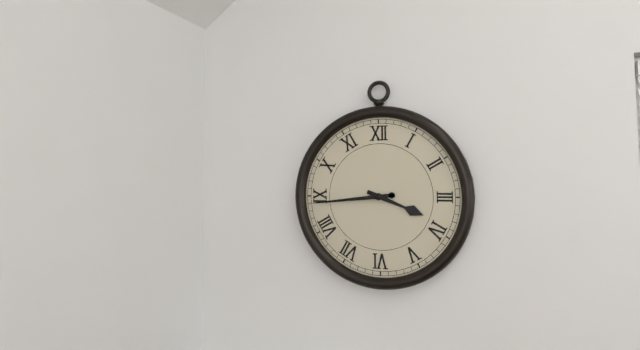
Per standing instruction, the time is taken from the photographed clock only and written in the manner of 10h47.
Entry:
3h44
